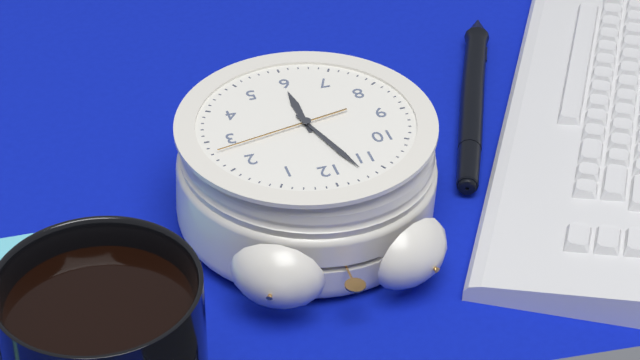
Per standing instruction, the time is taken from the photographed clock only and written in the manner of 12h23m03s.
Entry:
5h57m13s
